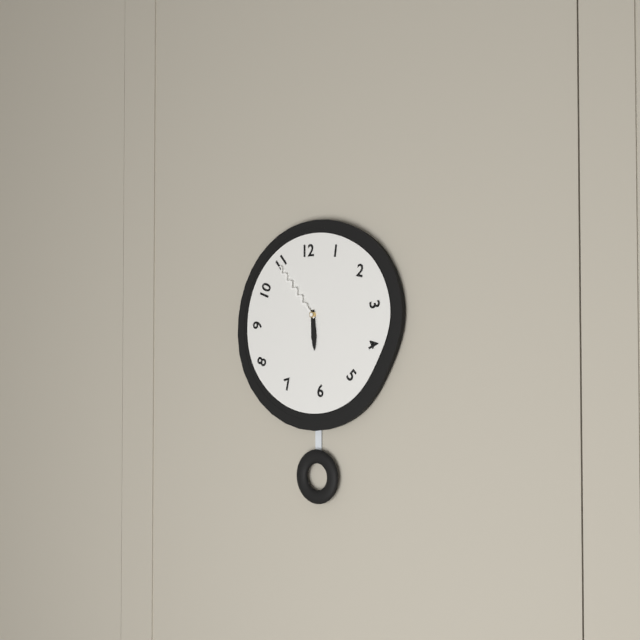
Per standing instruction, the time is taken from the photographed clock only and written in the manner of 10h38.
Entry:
5h53
